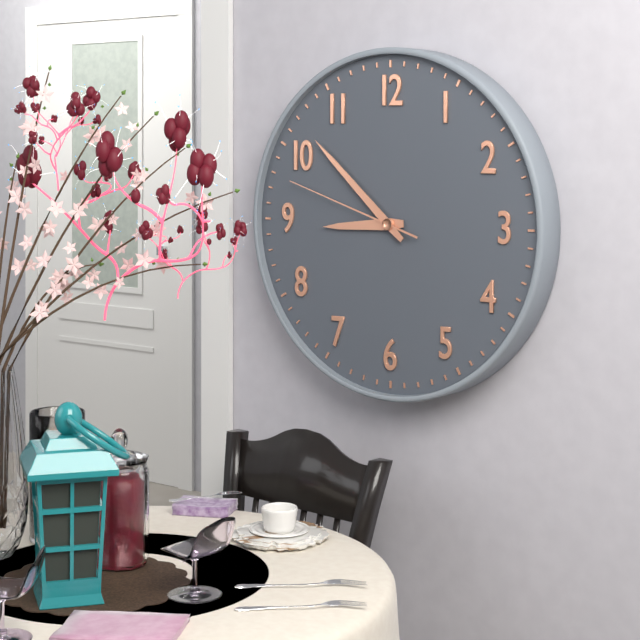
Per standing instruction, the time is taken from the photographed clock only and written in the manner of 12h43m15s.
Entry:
8h52m48s
